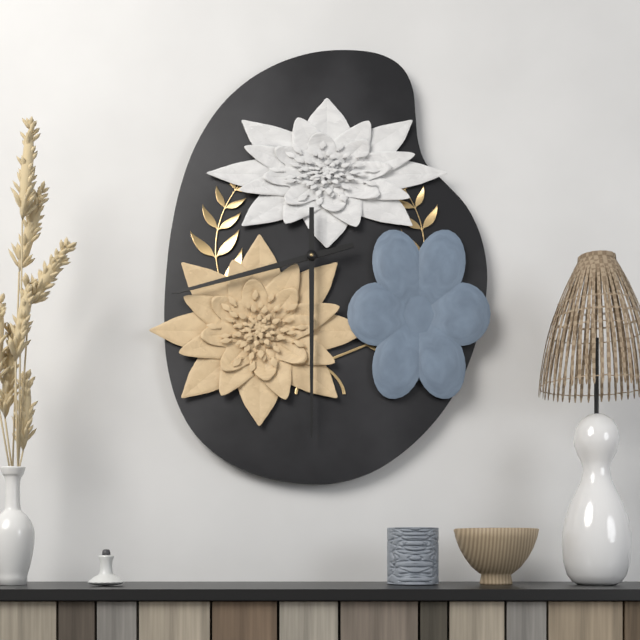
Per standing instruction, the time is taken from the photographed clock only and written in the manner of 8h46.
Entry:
8h30
